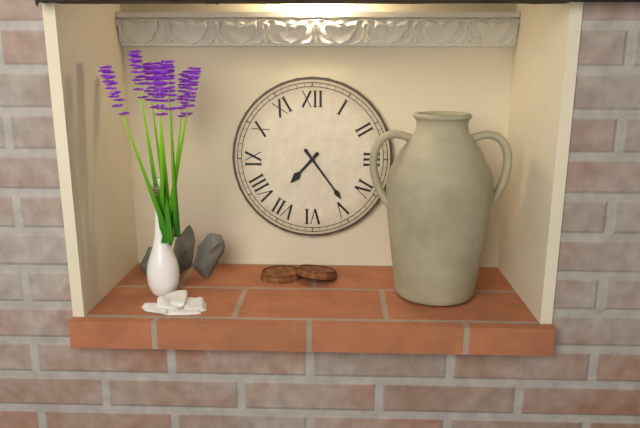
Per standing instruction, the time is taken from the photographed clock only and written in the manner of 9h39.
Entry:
7h24
